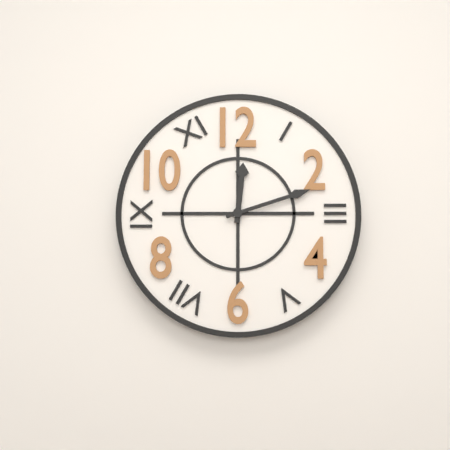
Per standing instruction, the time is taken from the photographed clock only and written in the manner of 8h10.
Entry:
12h12
